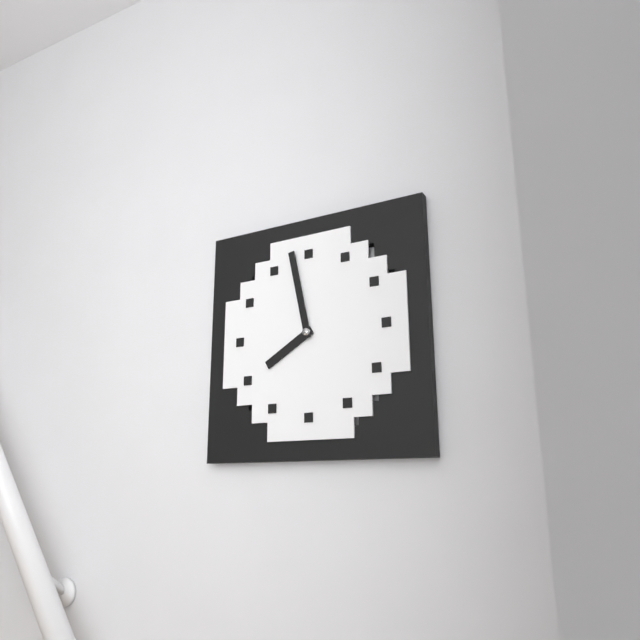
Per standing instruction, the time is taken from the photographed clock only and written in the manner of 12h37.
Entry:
7h58
